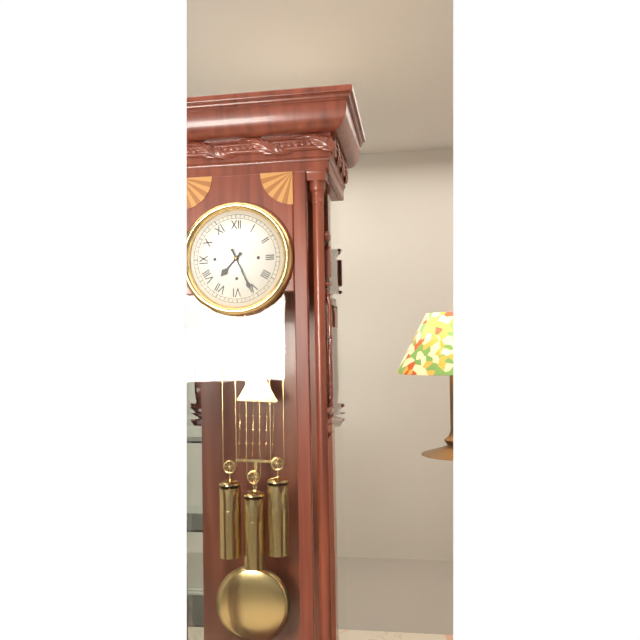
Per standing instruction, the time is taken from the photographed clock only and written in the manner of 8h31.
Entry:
7h26
